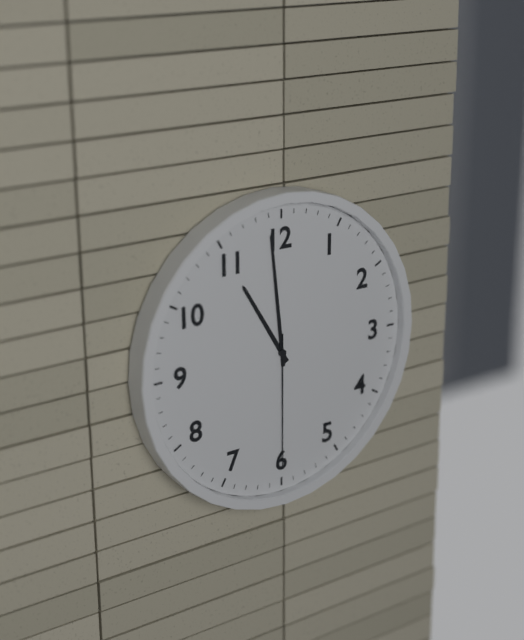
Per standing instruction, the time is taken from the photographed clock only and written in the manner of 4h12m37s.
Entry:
10h59m30s
